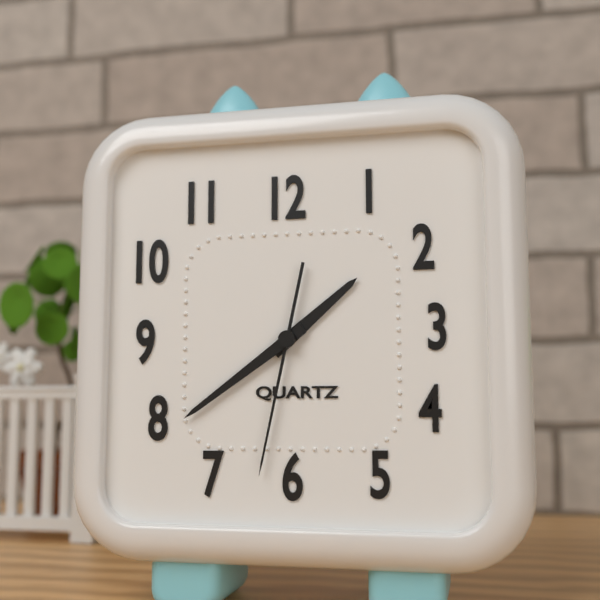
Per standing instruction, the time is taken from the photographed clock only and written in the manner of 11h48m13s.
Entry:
1h39m32s
